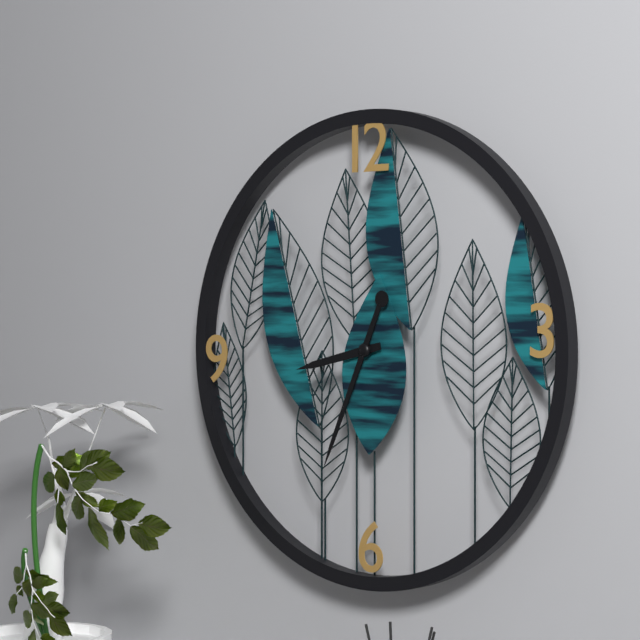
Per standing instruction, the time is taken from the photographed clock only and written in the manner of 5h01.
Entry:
8h34
